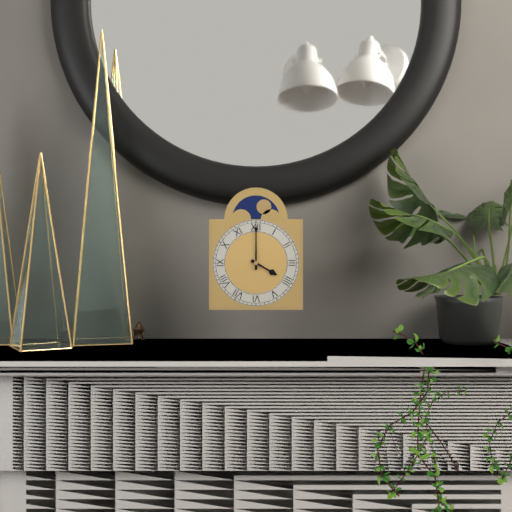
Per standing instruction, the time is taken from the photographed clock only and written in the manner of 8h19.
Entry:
4h00
